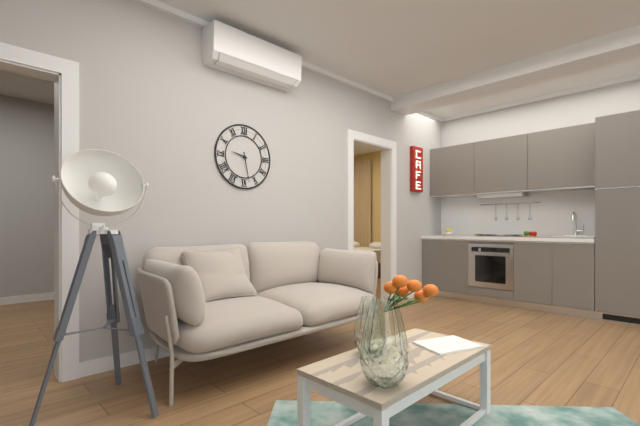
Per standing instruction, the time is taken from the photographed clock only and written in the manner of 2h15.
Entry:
9h28
